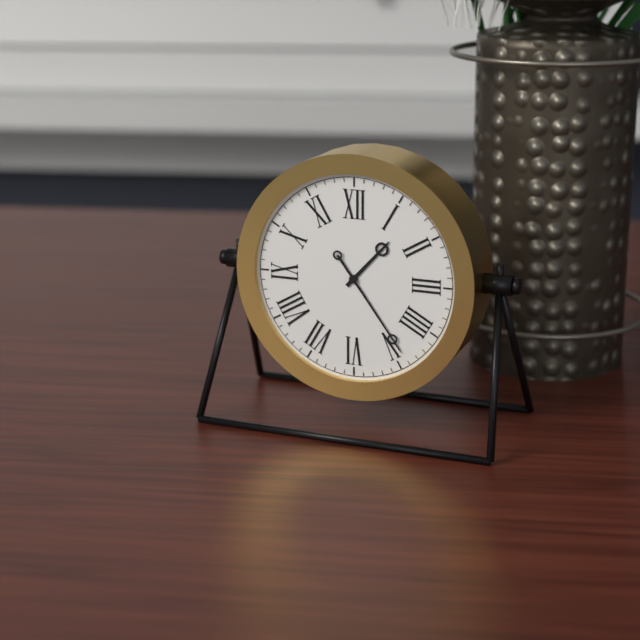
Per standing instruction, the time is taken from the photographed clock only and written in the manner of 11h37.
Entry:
1h24
